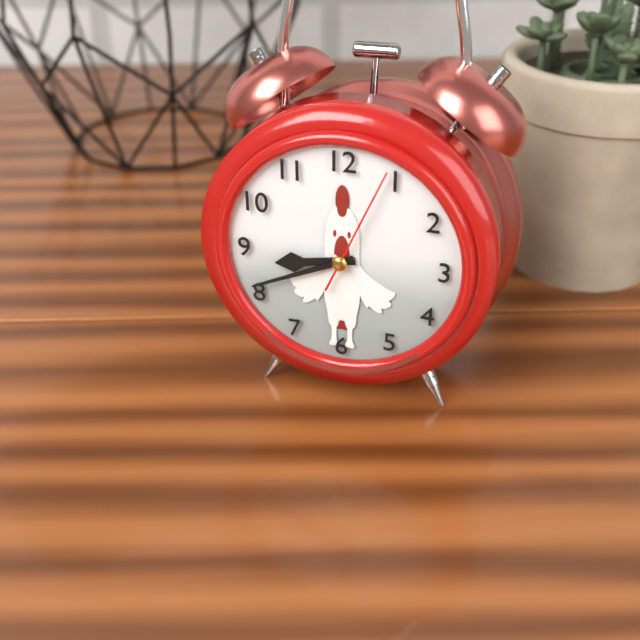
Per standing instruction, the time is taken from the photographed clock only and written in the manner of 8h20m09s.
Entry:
8h41m04s
